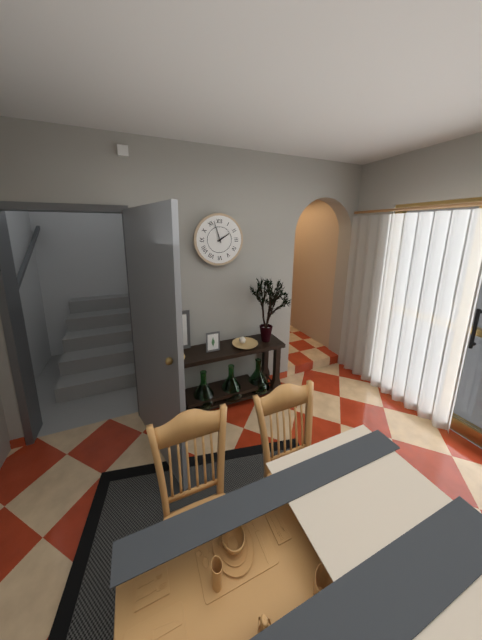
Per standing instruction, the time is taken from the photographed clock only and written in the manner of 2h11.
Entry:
1h57
